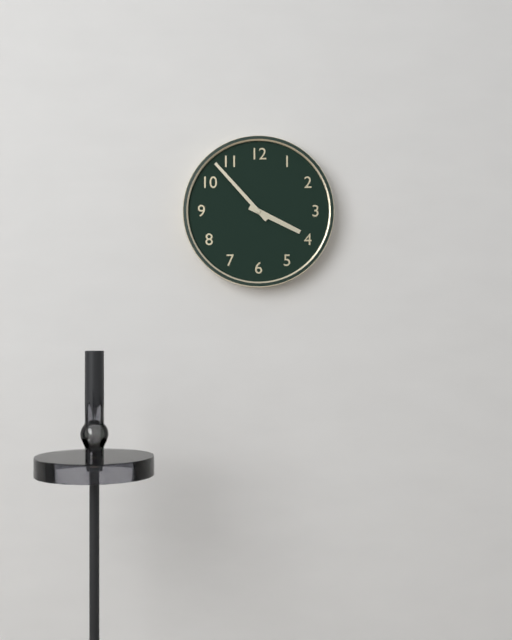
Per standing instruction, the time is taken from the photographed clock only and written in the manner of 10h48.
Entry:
3h53
